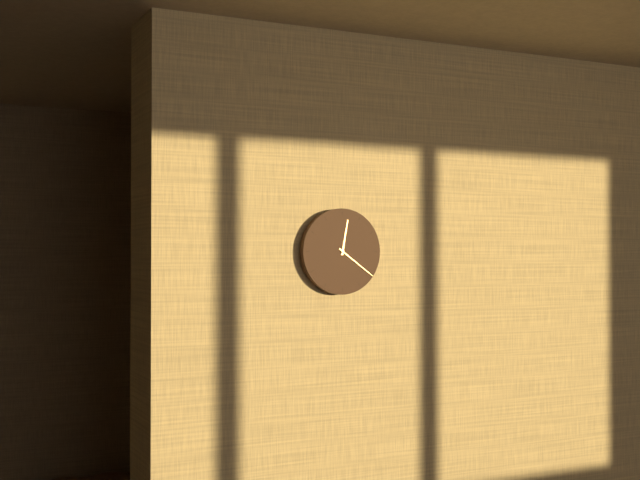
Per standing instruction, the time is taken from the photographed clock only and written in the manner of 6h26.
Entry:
12h21
